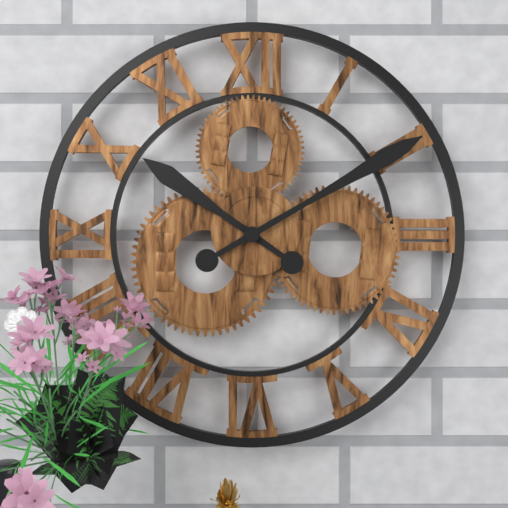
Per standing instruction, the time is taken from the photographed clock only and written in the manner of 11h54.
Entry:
10h10
